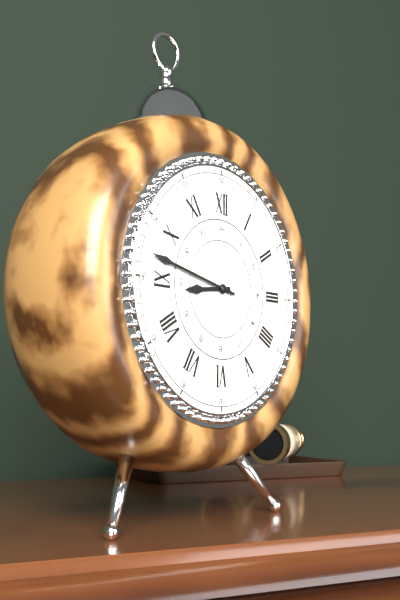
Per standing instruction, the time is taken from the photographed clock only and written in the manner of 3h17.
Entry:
8h47
